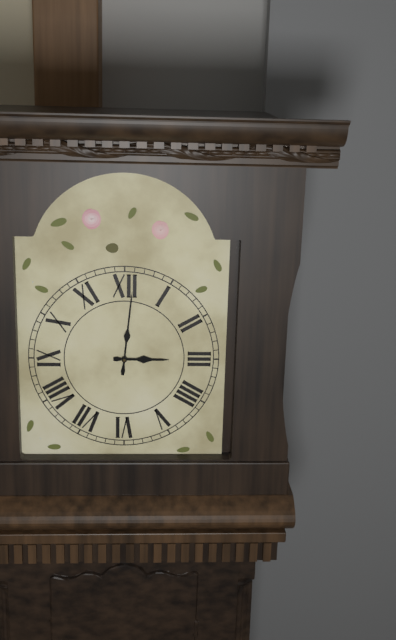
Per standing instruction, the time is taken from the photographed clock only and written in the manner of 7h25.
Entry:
3h01
